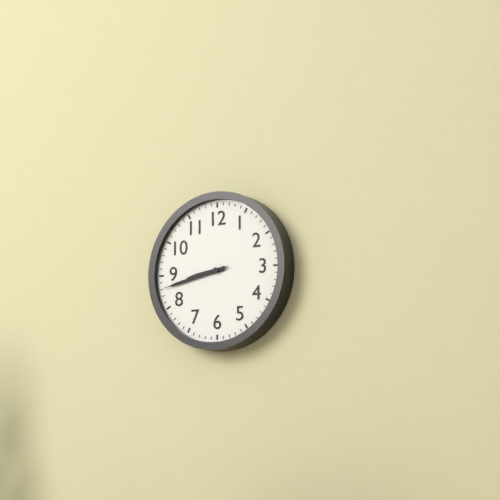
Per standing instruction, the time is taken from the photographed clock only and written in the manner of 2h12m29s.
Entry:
8h43m43s
